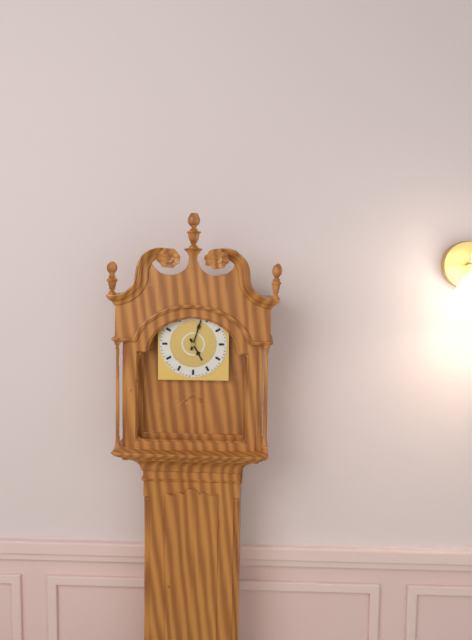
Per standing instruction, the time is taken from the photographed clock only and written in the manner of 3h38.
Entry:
5h03
